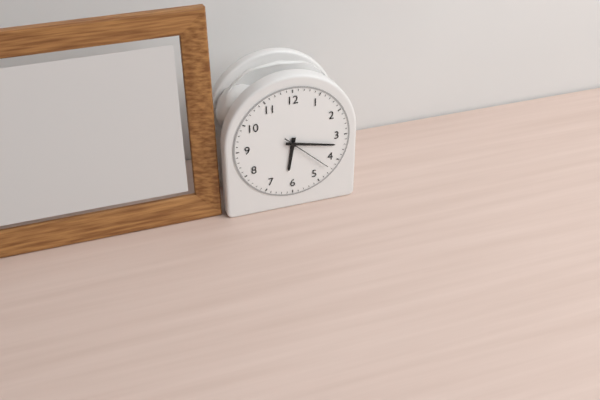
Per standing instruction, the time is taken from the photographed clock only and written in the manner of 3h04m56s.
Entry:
6h17m22s
